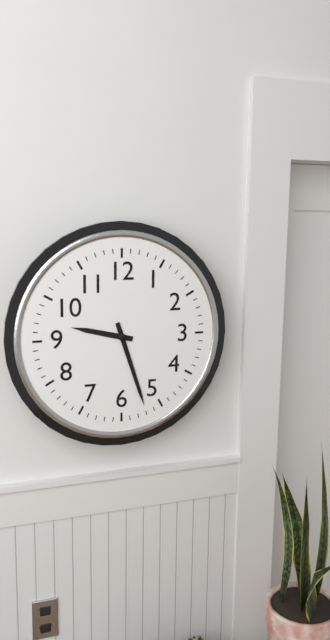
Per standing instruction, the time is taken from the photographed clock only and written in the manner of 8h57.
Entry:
9h27
